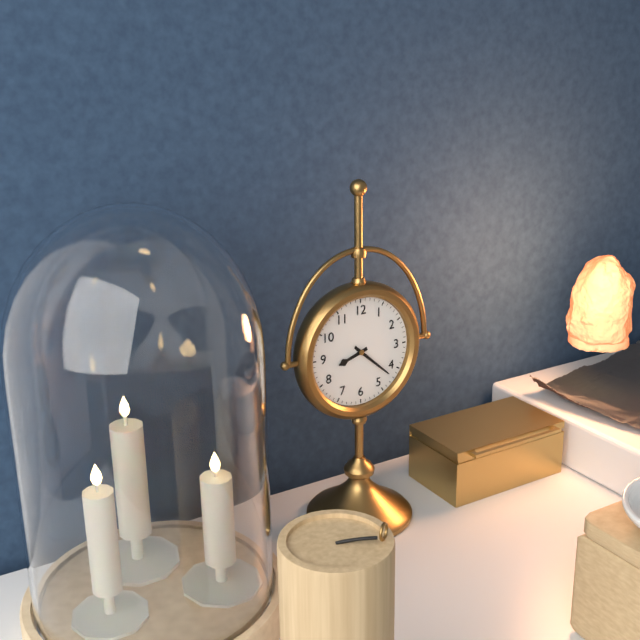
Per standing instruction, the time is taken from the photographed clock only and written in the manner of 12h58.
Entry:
8h22
